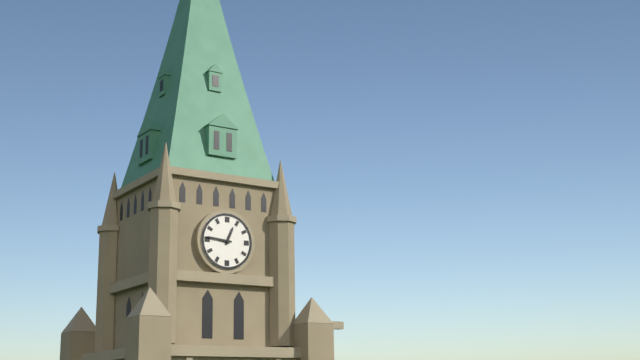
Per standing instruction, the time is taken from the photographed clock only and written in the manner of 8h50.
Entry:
12h46
